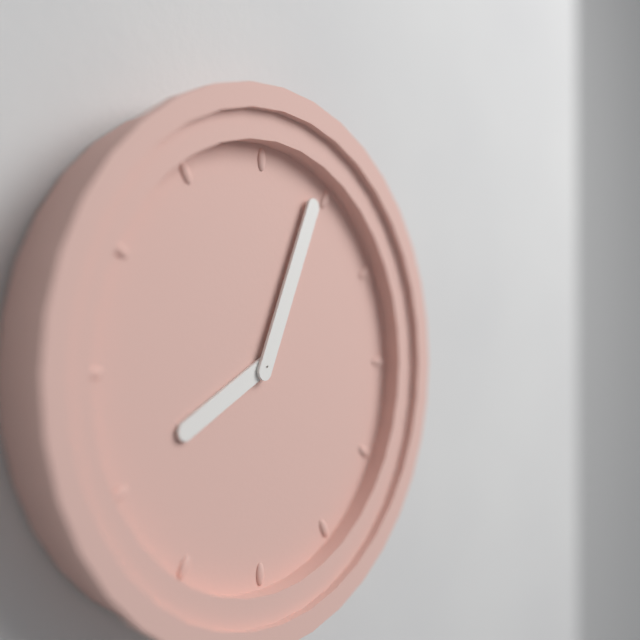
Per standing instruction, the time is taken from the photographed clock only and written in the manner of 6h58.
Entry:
8h04
